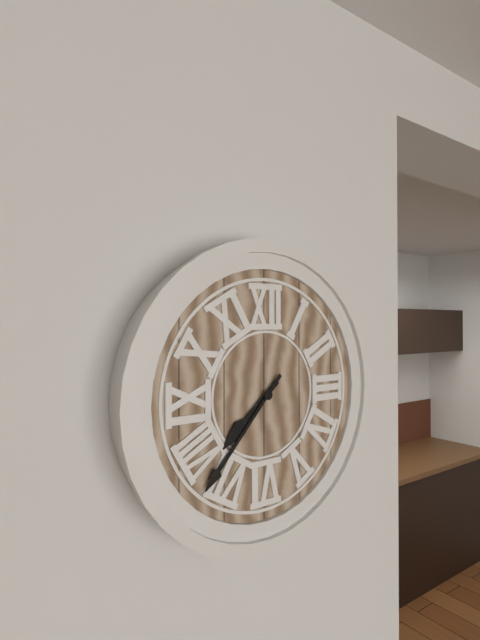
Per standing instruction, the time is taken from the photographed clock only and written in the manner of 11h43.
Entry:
7h37
